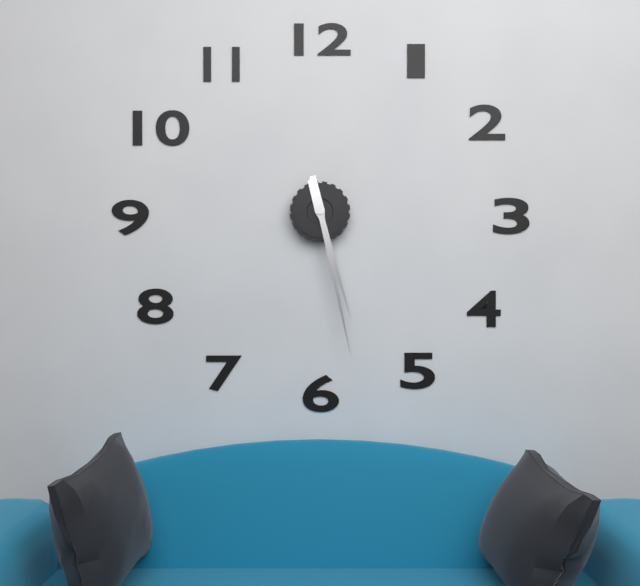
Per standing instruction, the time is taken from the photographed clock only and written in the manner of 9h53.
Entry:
5h28
